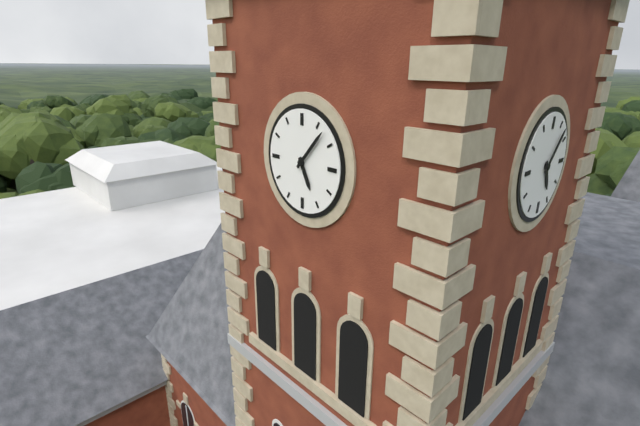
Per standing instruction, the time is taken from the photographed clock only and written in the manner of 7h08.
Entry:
5h07
